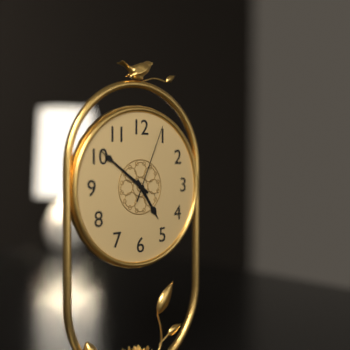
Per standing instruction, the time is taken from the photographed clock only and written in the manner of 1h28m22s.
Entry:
4h51m04s
